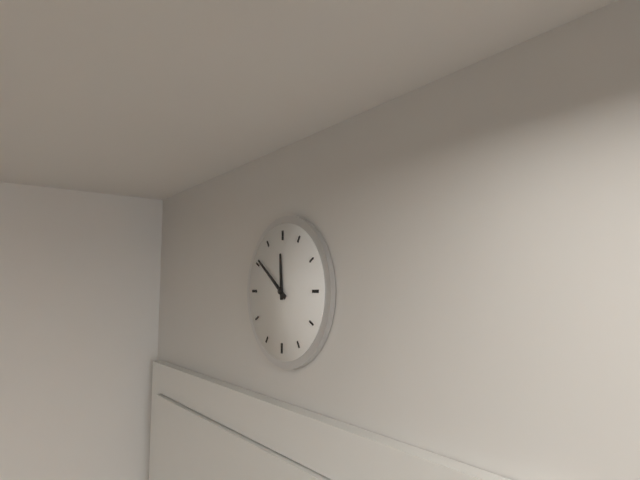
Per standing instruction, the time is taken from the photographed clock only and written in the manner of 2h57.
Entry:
11h51
